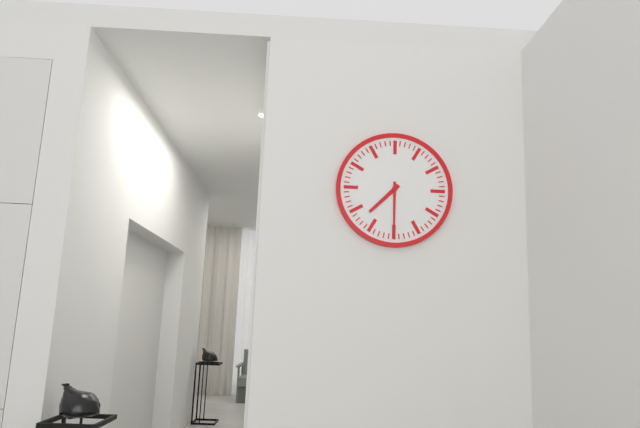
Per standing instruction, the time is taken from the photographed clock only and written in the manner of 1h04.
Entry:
7h30
